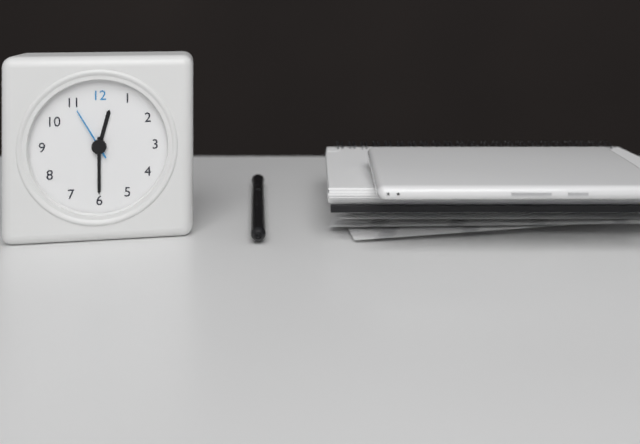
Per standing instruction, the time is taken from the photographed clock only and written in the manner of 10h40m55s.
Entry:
12h30m55s
